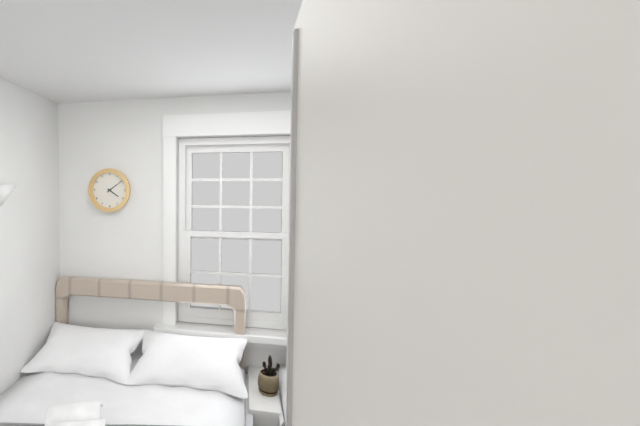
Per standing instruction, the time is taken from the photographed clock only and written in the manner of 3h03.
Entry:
4h09
